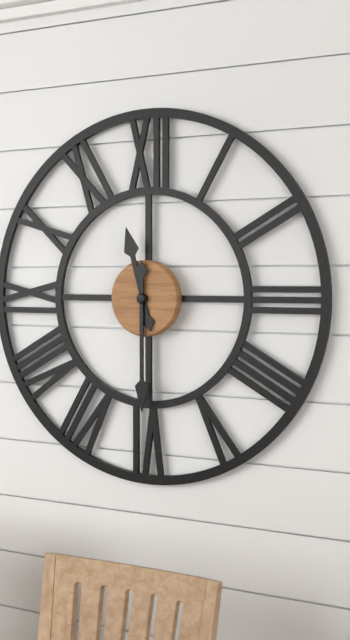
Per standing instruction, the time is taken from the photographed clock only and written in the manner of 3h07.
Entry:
11h30
